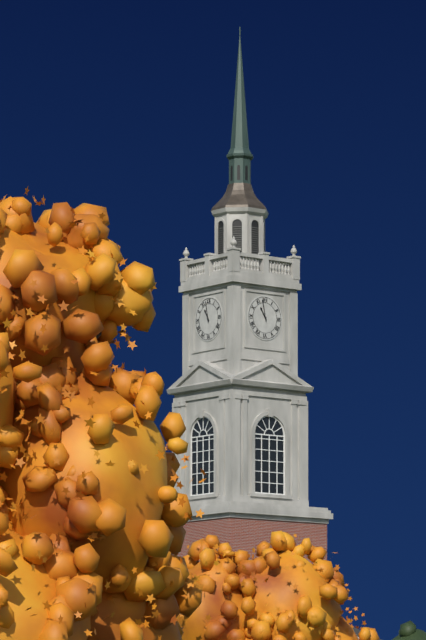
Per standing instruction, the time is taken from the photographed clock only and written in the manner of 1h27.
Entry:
10h58
